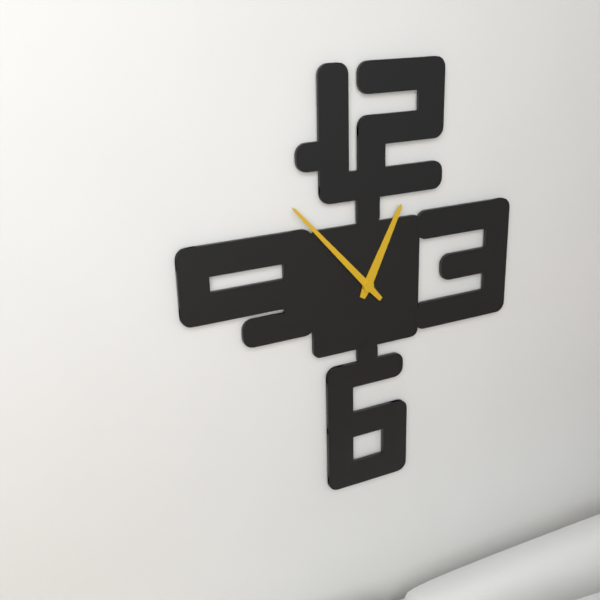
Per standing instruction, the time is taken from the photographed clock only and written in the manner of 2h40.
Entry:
12h53
